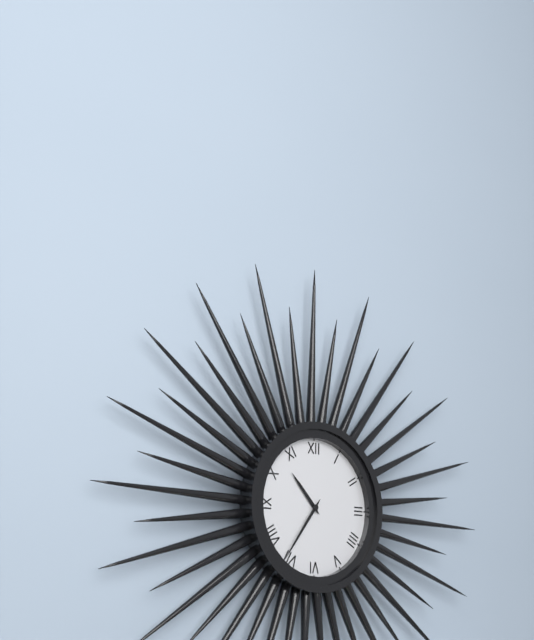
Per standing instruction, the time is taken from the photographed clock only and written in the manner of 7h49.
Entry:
10h36
